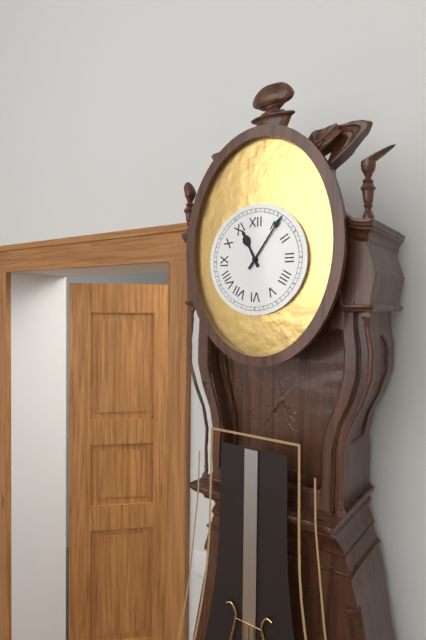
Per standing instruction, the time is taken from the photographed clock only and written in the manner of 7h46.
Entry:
11h06
